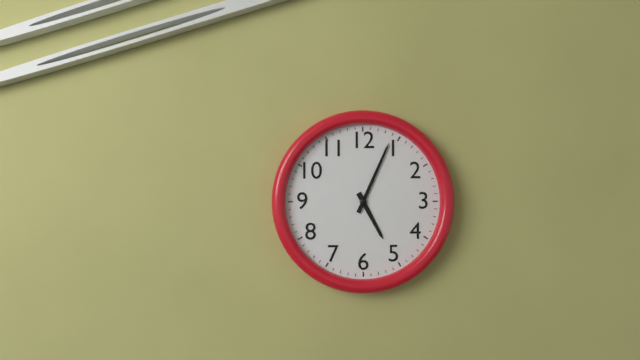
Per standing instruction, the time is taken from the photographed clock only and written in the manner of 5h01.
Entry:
5h04
